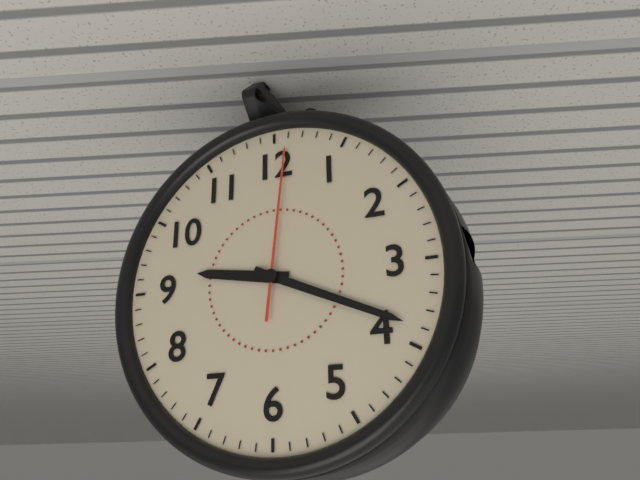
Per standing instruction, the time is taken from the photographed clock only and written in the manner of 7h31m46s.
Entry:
9h19m01s
